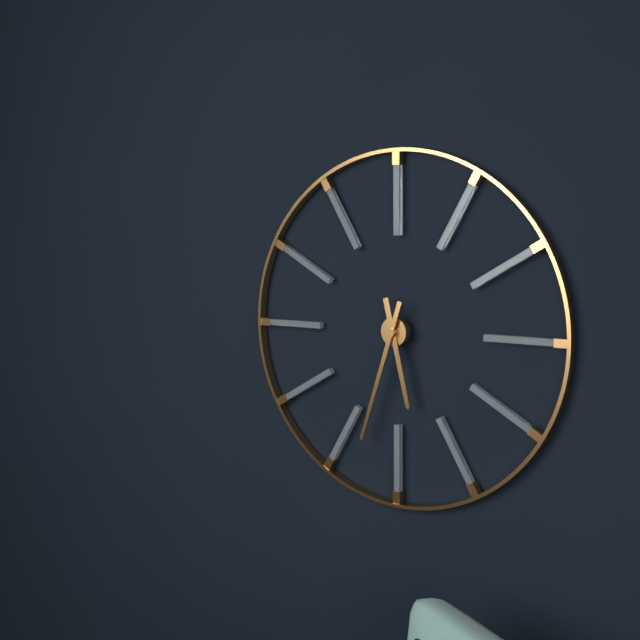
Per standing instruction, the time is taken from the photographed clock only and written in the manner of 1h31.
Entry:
5h33
